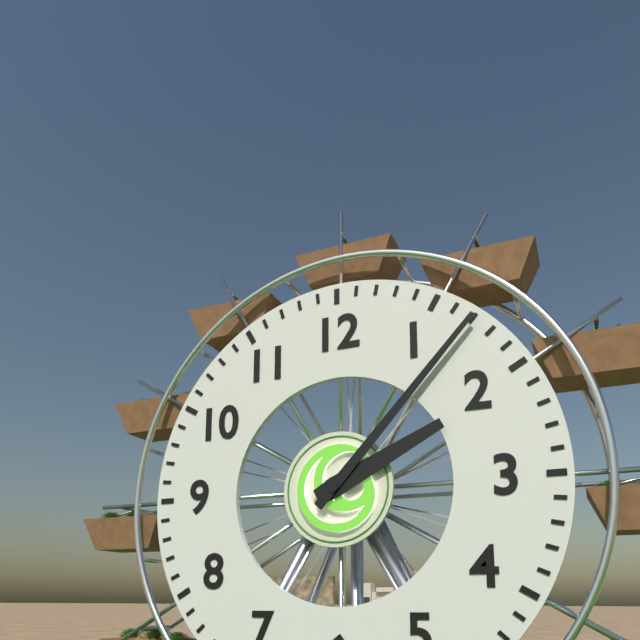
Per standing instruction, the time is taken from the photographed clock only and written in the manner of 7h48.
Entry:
2h07
